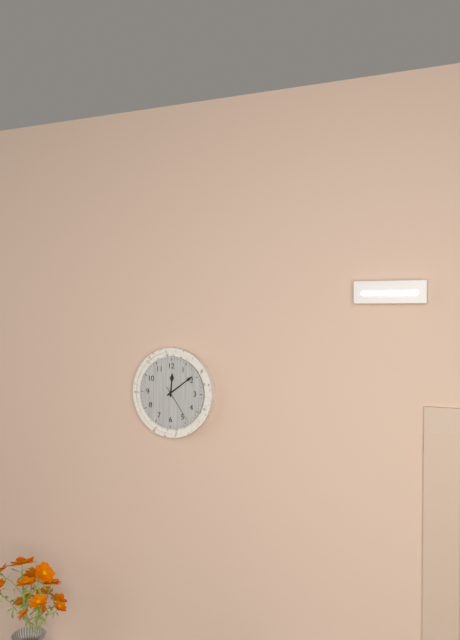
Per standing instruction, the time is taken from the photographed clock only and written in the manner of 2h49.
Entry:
12h09
